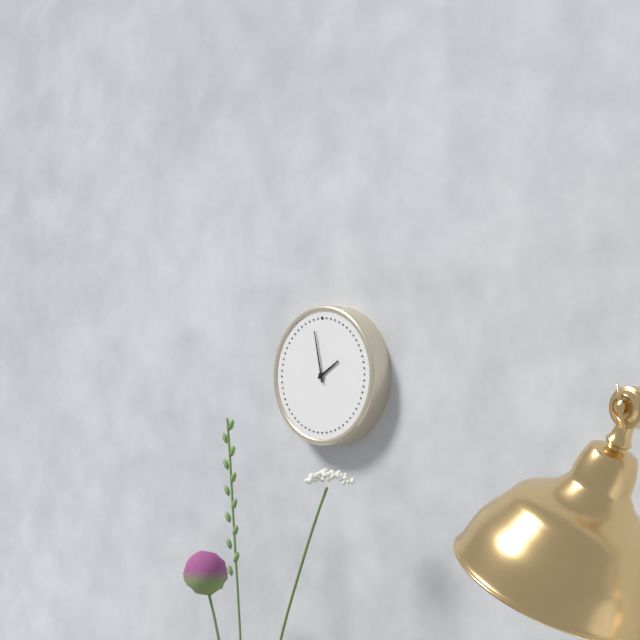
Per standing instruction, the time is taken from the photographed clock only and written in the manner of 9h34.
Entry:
1h58
